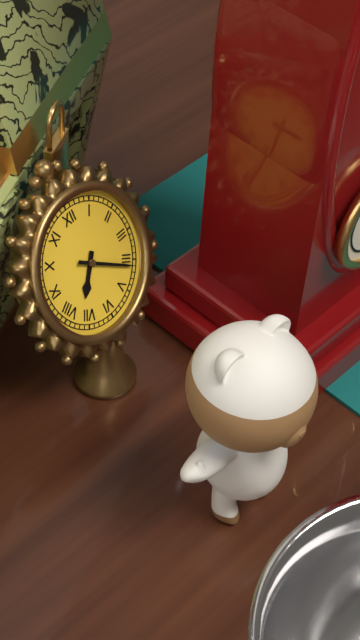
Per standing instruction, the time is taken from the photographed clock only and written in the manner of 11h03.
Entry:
7h21
